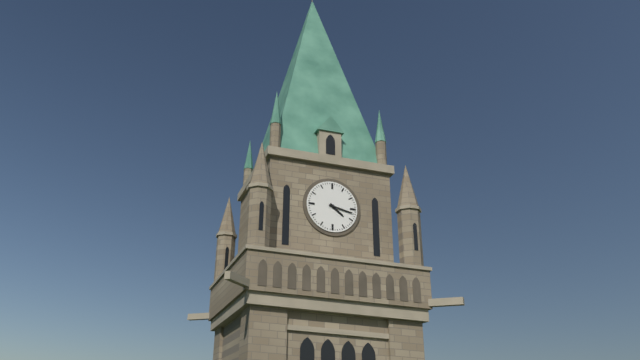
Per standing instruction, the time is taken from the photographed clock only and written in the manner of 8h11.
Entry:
4h17
